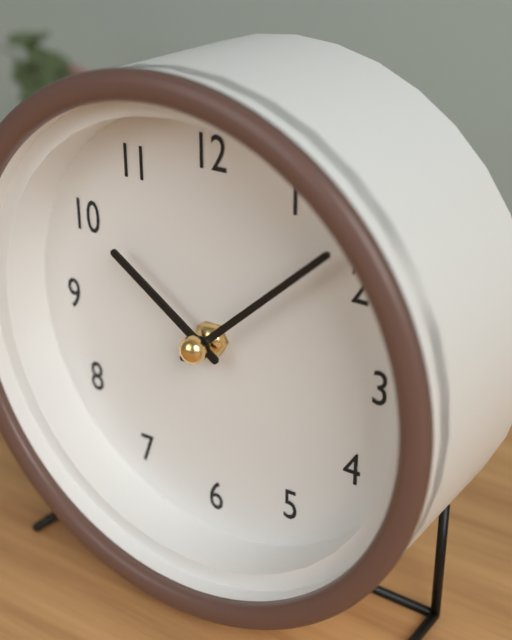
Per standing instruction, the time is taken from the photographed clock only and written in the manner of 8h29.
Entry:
10h08
